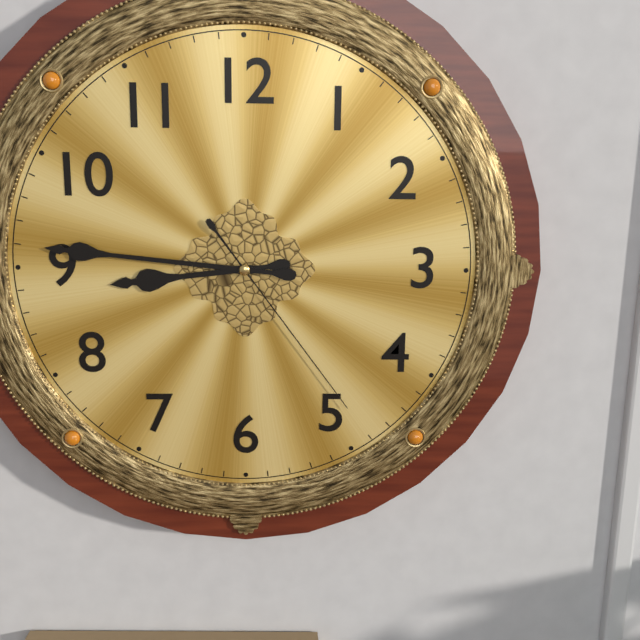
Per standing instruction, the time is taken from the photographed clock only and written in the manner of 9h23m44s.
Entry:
8h46m24s
